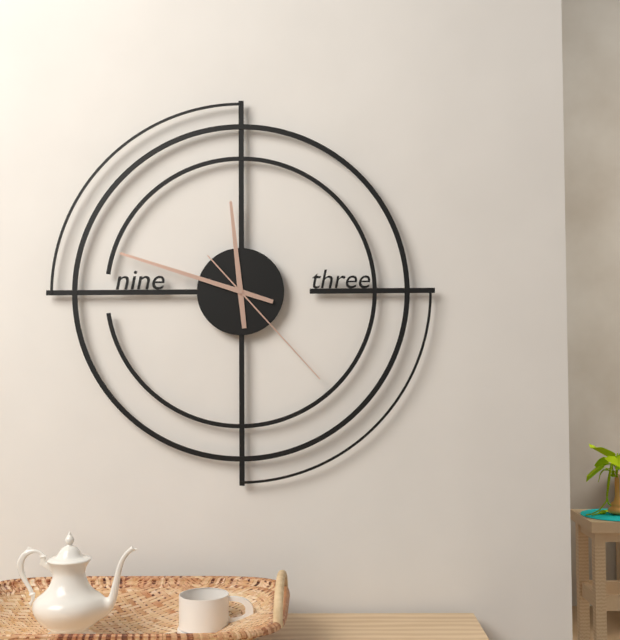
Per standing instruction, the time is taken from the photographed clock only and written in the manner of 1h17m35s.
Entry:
11h48m23s
